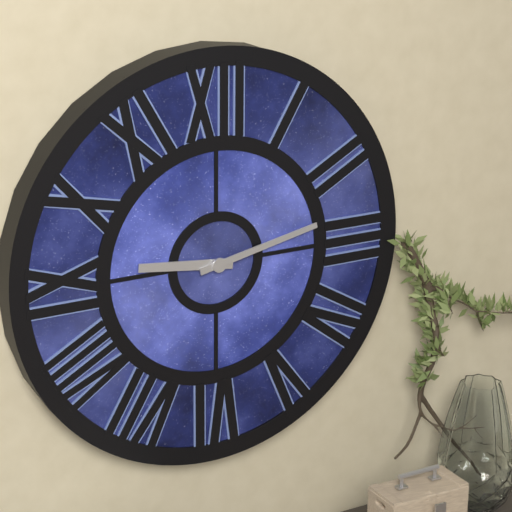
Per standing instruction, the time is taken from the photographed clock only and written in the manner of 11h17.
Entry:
9h13
